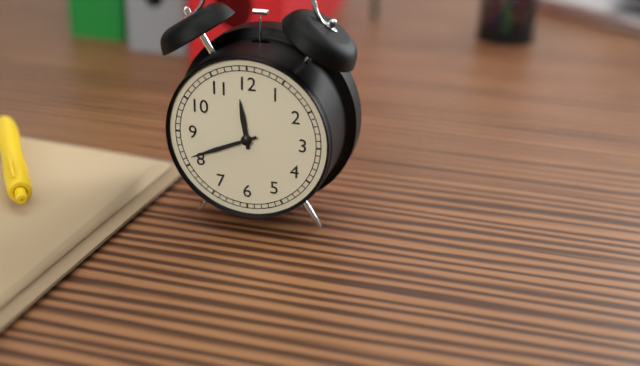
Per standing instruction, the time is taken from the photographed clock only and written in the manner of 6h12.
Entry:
11h41
